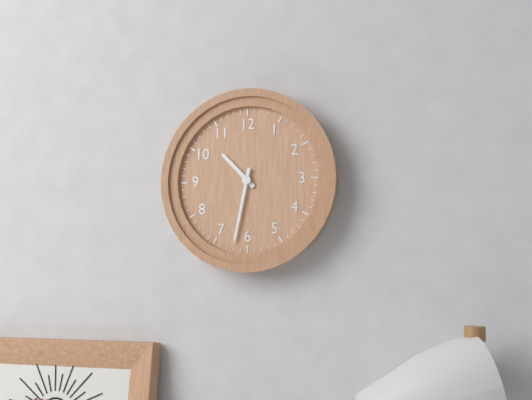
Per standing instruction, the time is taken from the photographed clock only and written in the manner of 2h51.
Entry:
10h32
